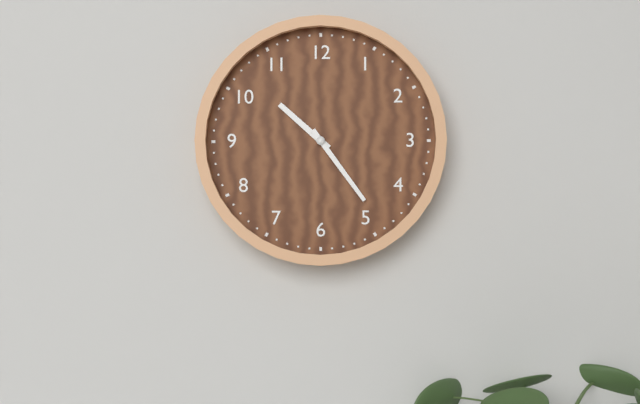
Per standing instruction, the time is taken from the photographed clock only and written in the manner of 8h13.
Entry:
10h24
